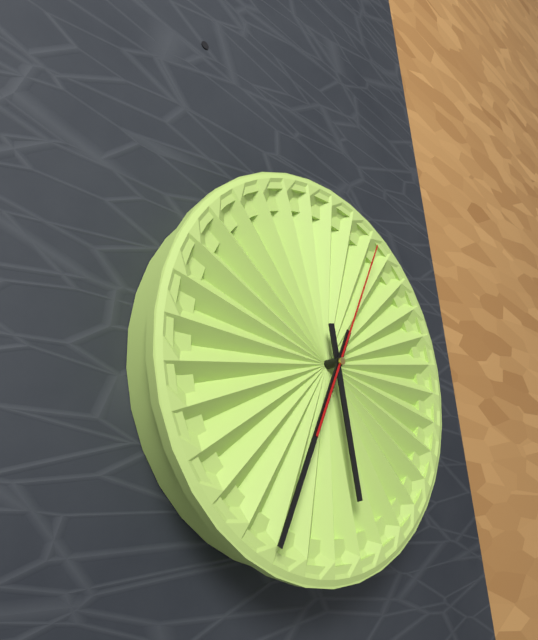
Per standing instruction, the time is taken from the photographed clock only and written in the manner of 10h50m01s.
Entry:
5h34m04s
